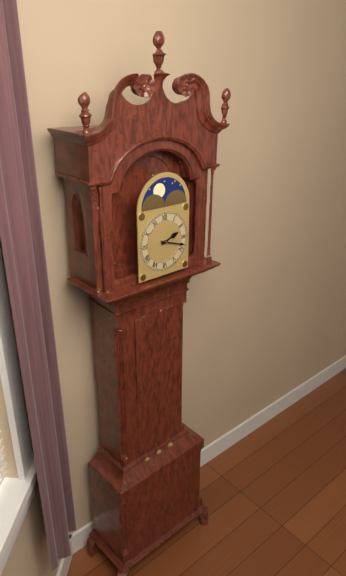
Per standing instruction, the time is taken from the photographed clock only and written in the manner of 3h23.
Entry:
2h18
